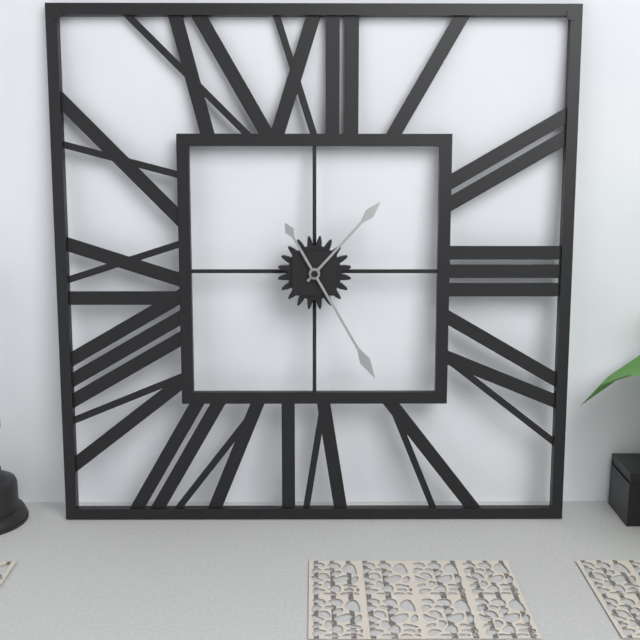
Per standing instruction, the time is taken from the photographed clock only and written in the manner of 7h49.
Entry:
1h25
